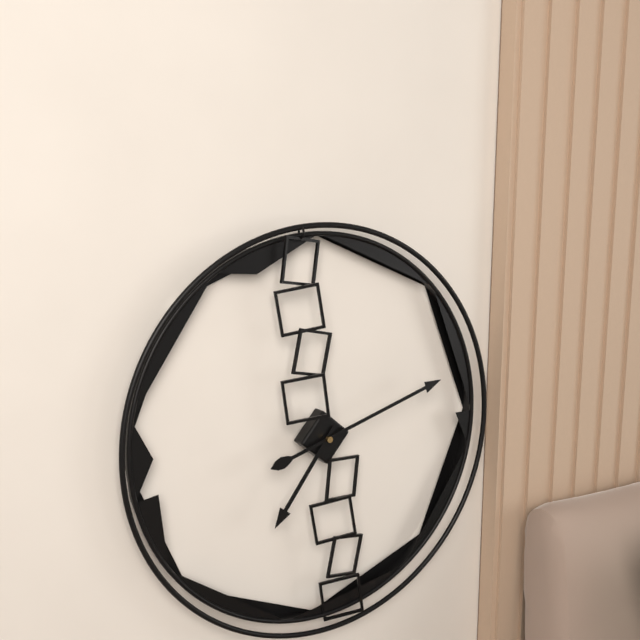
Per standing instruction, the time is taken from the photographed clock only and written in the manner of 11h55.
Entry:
7h12
